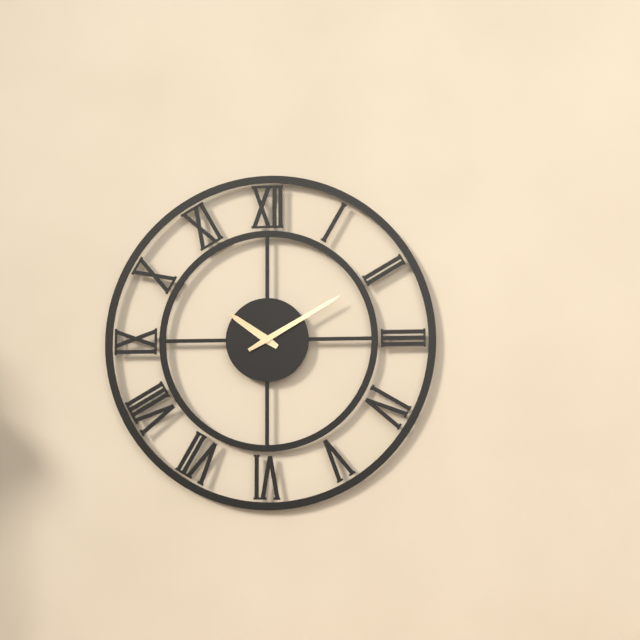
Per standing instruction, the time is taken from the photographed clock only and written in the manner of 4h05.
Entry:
10h10
